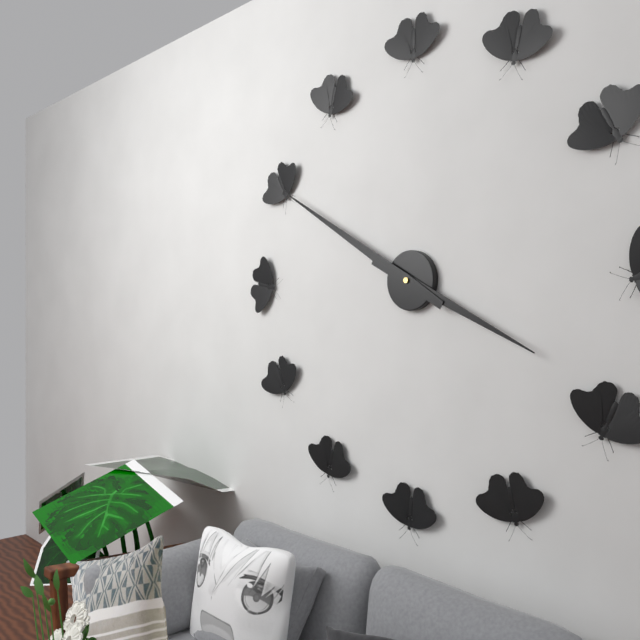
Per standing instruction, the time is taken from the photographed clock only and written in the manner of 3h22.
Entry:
3h50
